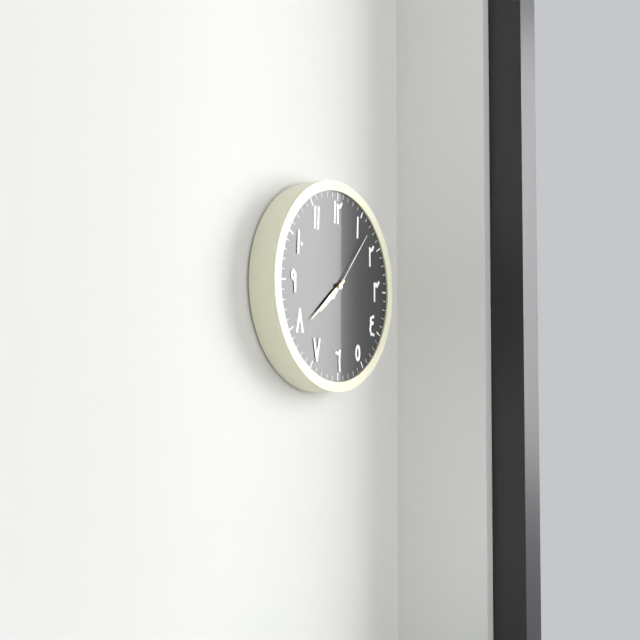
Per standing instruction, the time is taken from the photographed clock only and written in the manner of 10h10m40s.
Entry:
7h39m07s
